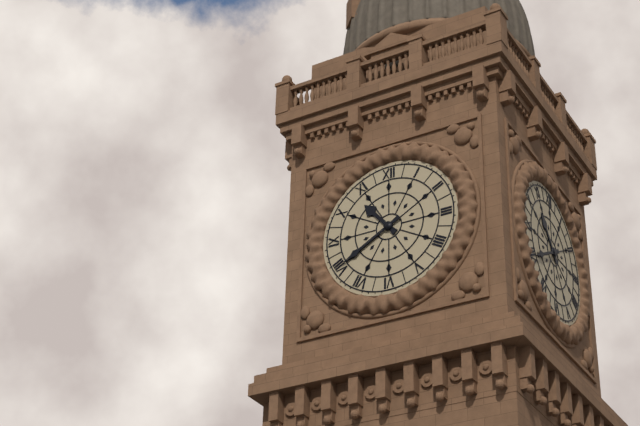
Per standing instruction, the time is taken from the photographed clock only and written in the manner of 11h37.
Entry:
10h40
